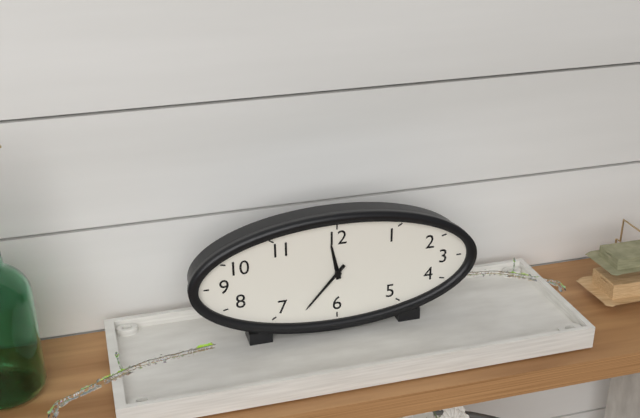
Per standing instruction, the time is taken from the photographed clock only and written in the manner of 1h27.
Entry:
11h37
